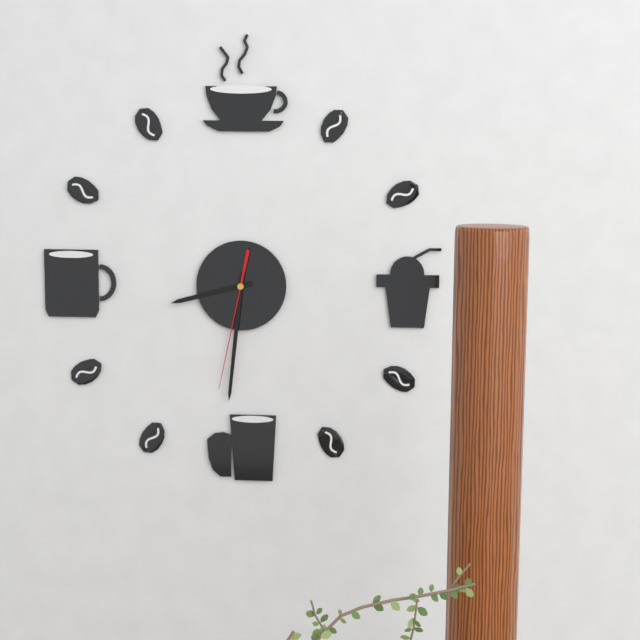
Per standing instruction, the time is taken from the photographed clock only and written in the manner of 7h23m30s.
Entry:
8h31m32s
